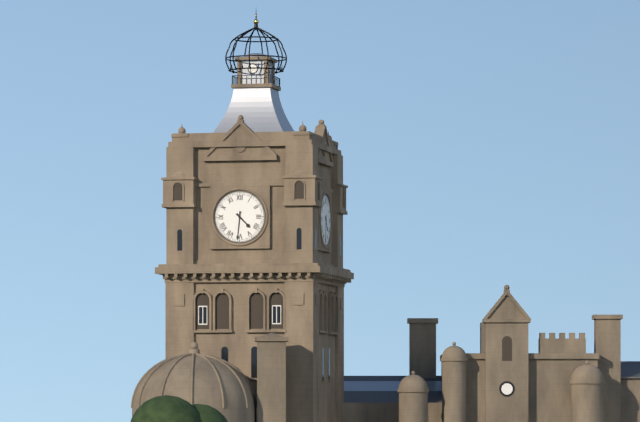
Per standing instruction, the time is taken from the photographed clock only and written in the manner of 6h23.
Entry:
4h31
